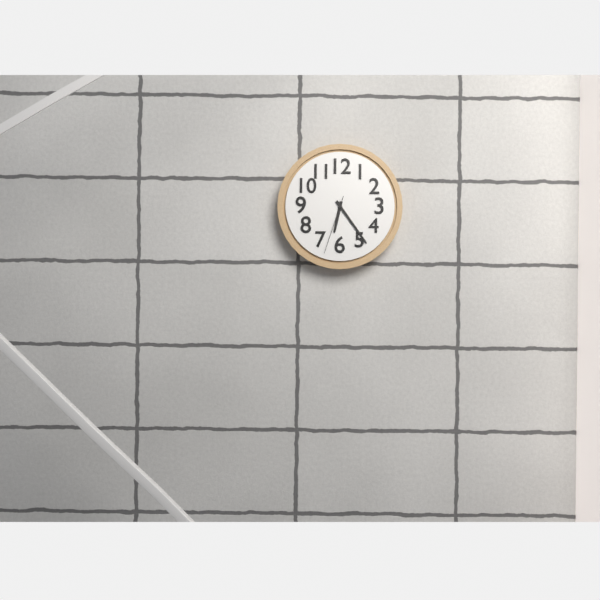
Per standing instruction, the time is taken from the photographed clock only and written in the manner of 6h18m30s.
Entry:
6h24m33s
